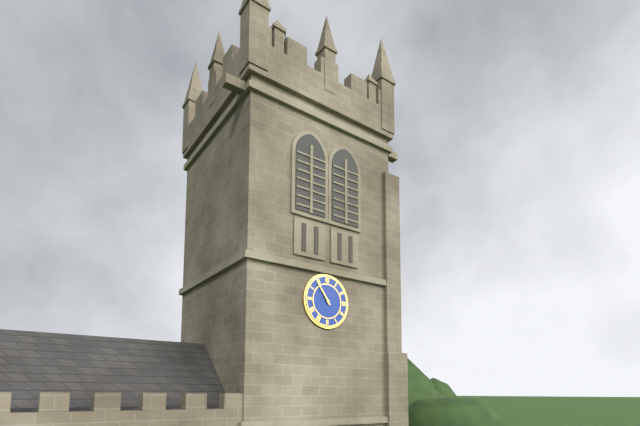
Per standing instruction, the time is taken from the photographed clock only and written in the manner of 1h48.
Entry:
10h54
